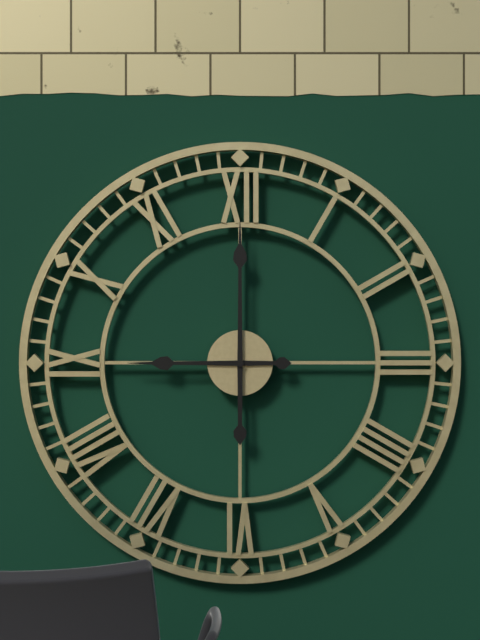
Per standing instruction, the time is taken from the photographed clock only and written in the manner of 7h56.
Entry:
9h00
